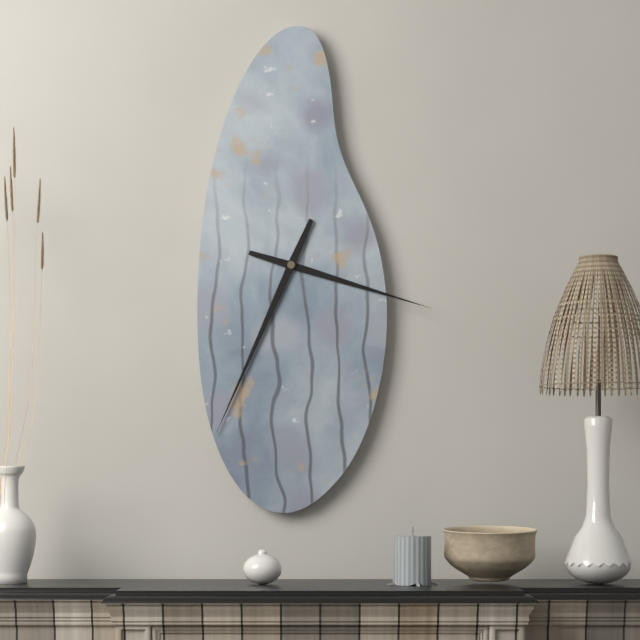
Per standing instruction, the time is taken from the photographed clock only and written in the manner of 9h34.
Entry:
3h34
